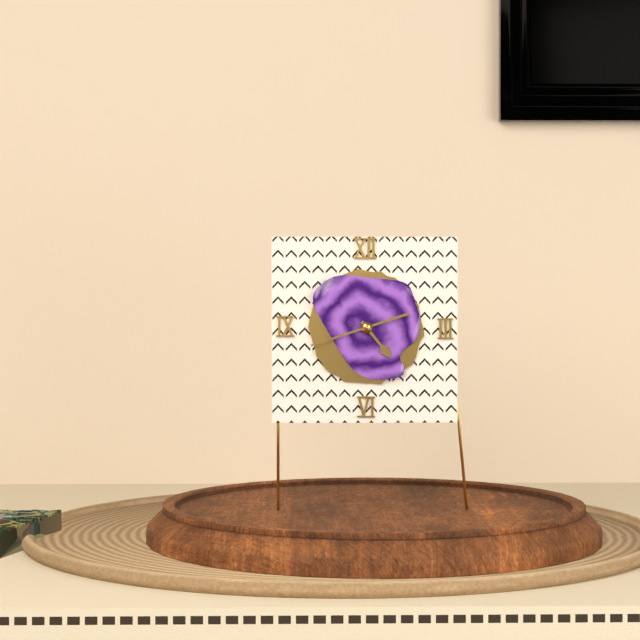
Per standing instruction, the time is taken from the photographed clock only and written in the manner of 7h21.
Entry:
4h42
